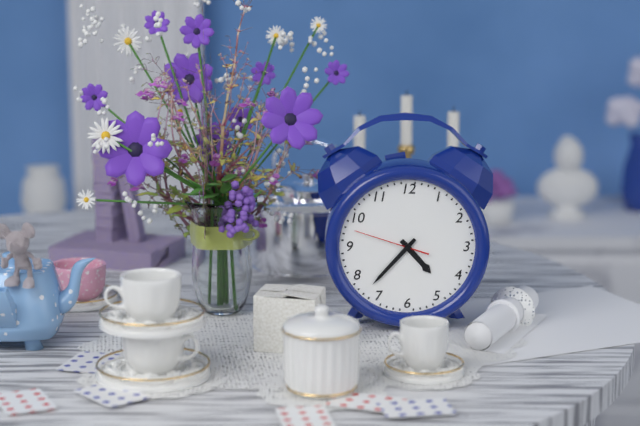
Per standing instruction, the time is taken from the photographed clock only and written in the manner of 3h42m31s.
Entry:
4h37m48s
